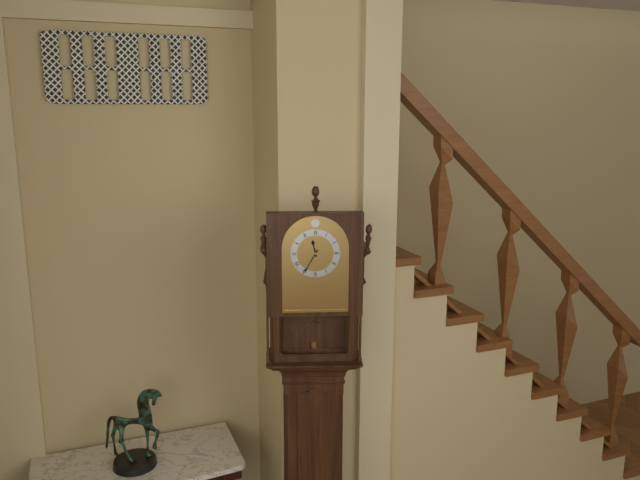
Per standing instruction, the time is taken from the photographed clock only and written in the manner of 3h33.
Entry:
11h35
